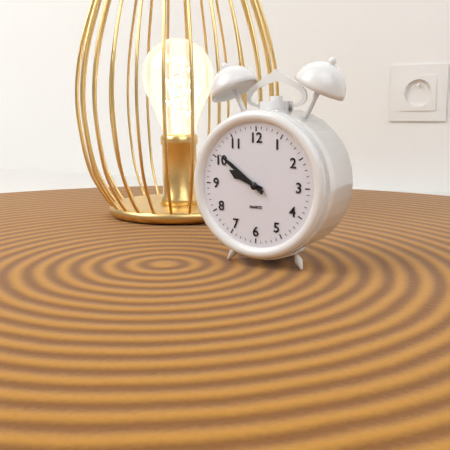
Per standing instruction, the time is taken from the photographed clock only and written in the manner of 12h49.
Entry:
9h51
